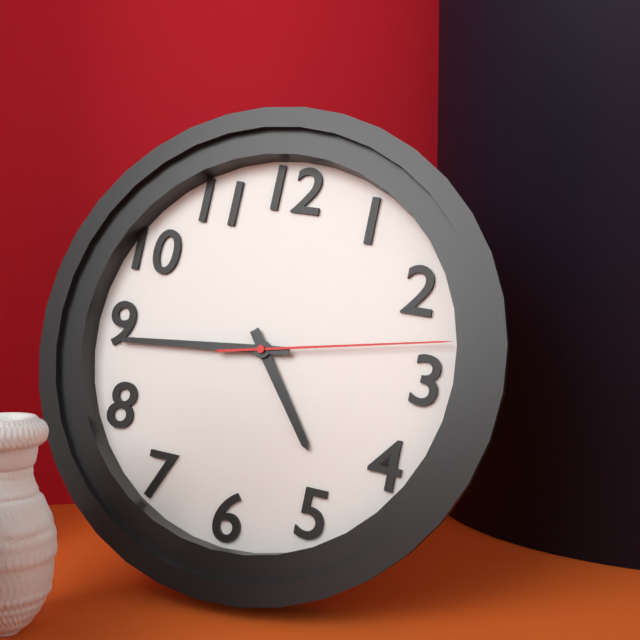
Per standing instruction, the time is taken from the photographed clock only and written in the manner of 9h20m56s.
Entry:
4h44m13s
